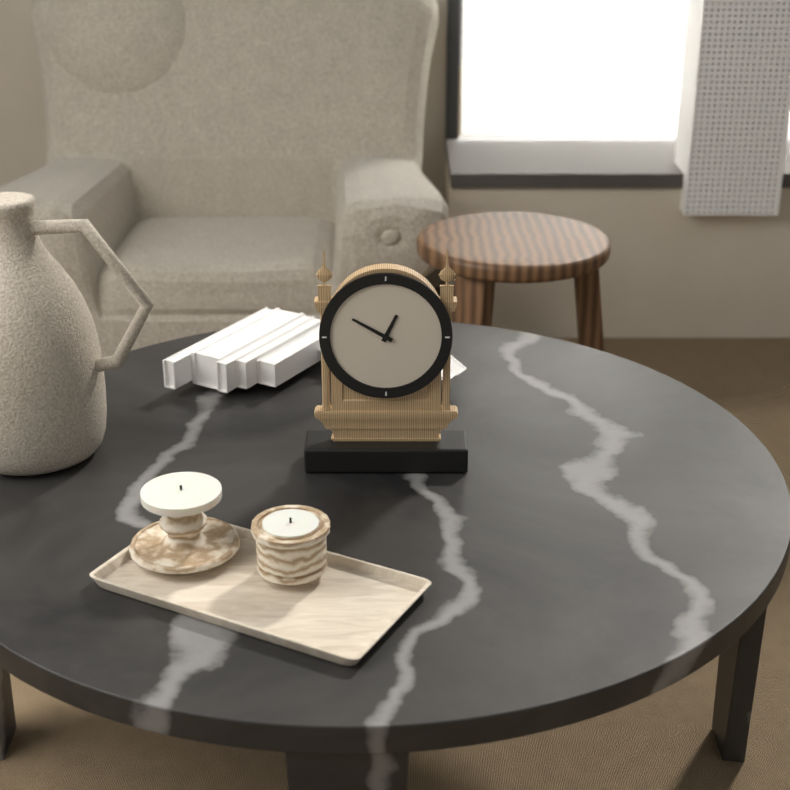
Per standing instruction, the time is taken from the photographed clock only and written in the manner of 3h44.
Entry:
12h50
